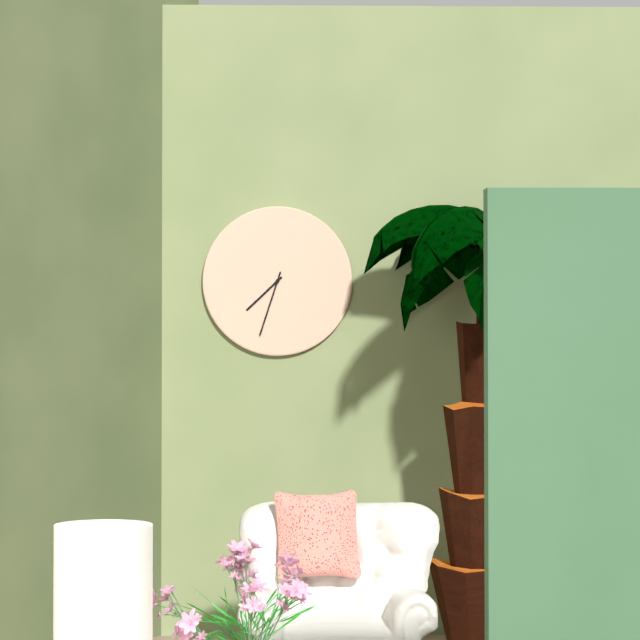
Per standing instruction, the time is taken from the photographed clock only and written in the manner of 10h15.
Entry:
7h33
